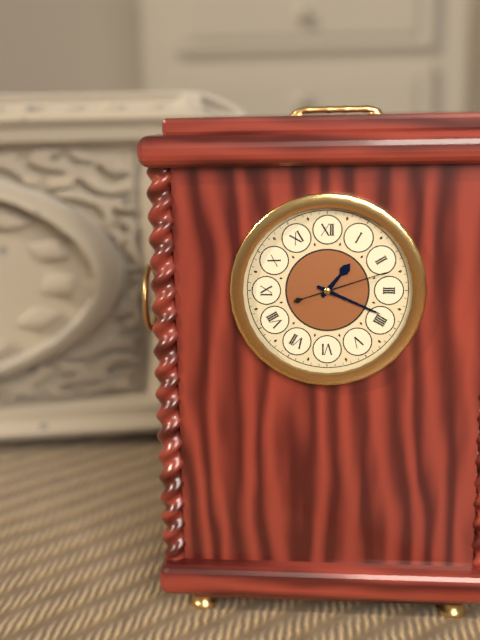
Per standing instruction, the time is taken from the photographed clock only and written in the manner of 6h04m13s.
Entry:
1h19m12s
